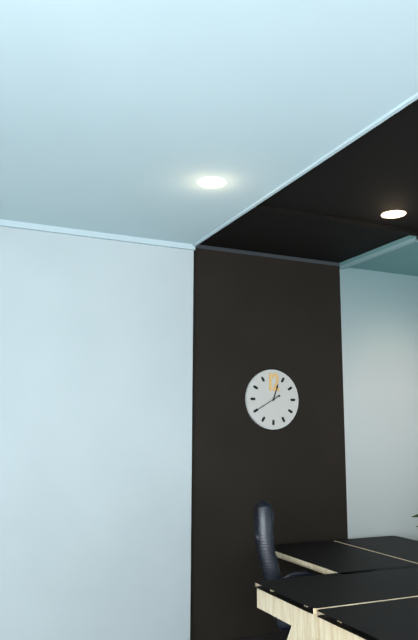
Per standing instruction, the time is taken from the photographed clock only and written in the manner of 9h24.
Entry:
12h40
